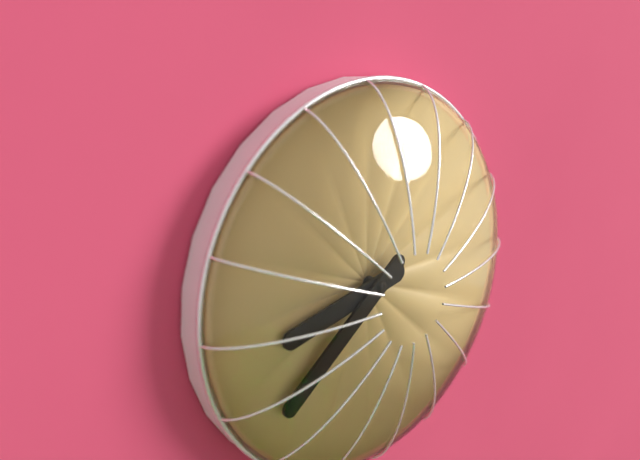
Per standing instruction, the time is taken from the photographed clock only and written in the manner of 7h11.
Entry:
8h39
